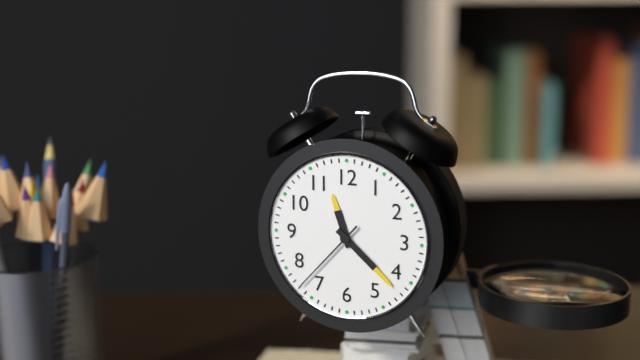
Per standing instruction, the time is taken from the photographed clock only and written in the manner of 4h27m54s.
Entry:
11h22m37s
